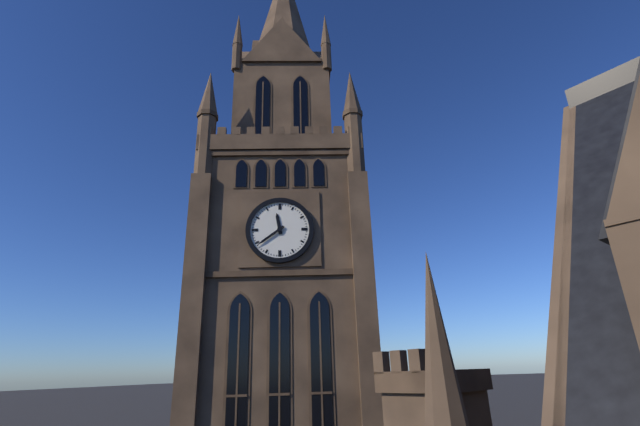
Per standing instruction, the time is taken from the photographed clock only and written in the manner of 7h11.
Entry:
11h39
